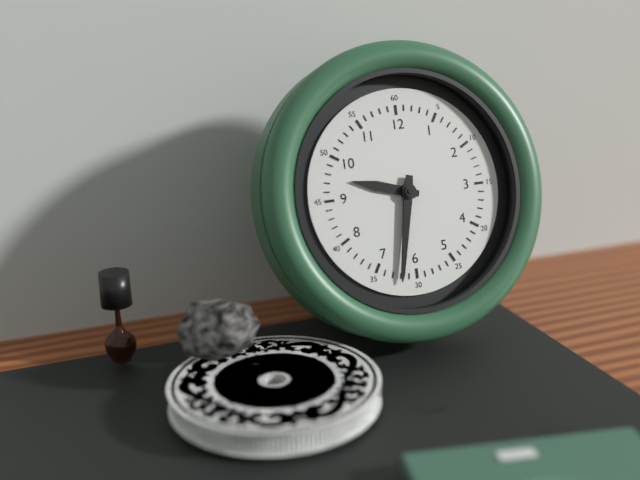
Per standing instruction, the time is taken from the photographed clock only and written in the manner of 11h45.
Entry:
9h32
